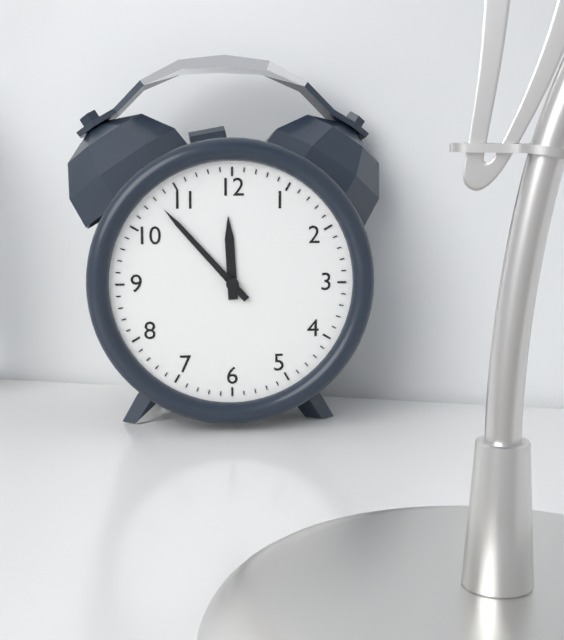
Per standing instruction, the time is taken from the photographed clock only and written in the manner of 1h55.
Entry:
11h53
